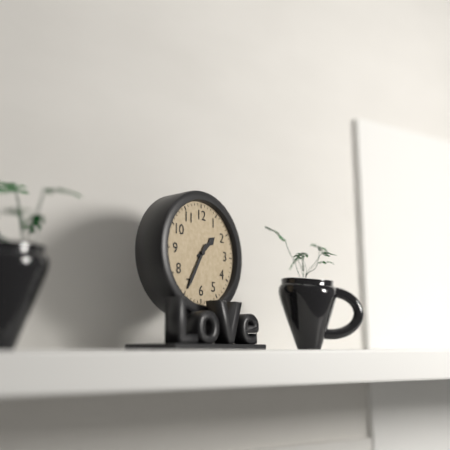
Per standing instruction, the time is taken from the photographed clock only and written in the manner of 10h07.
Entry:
1h35
